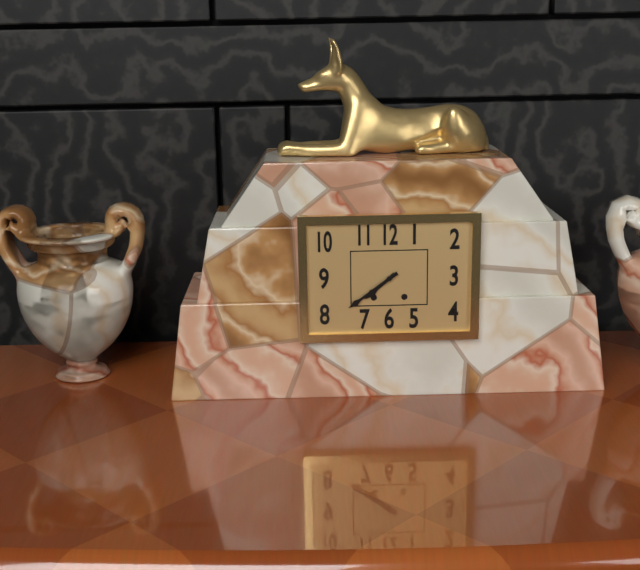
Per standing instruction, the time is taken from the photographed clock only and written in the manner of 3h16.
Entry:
7h39
